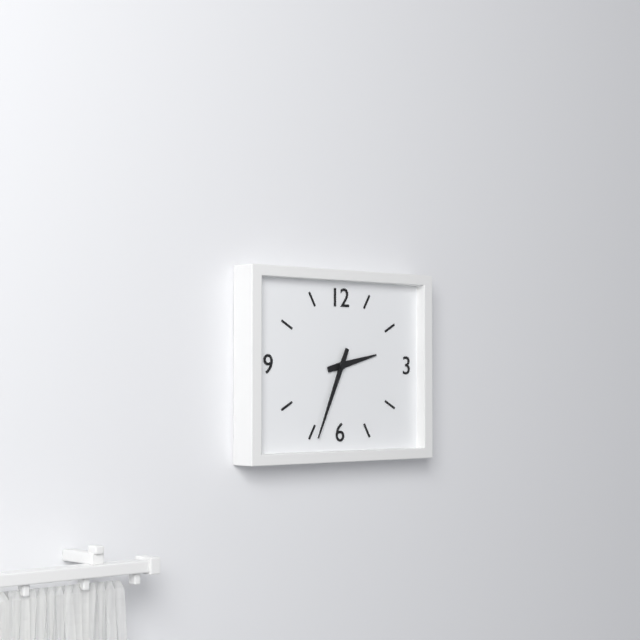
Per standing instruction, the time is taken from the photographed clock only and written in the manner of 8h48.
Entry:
2h34
